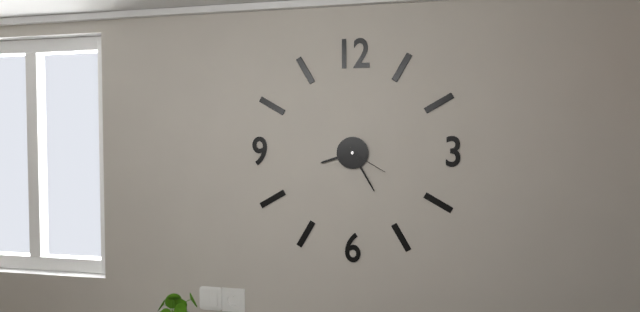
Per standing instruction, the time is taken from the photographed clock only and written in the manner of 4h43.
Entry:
8h25
